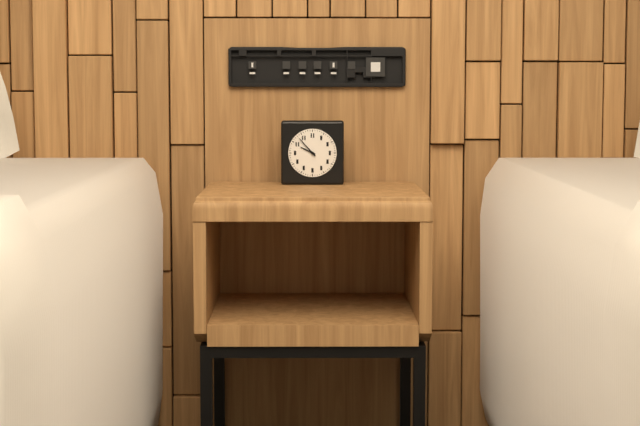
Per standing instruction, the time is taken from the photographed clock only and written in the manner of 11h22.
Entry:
9h53
